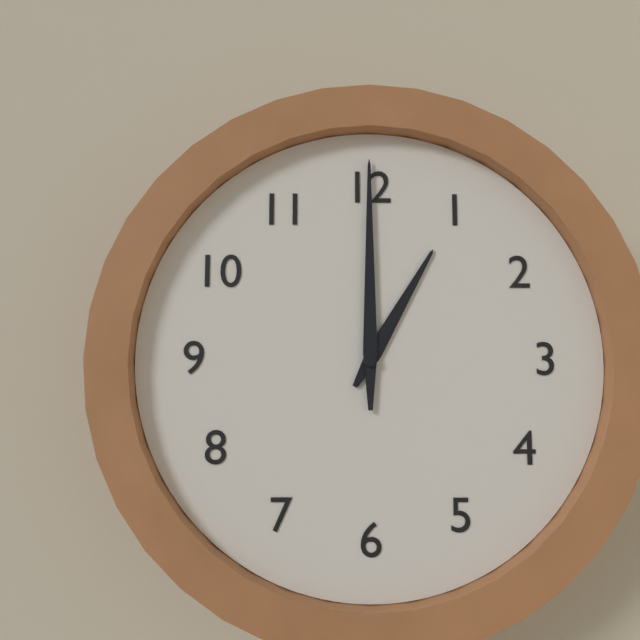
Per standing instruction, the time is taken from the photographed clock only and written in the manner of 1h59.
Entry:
1h00
